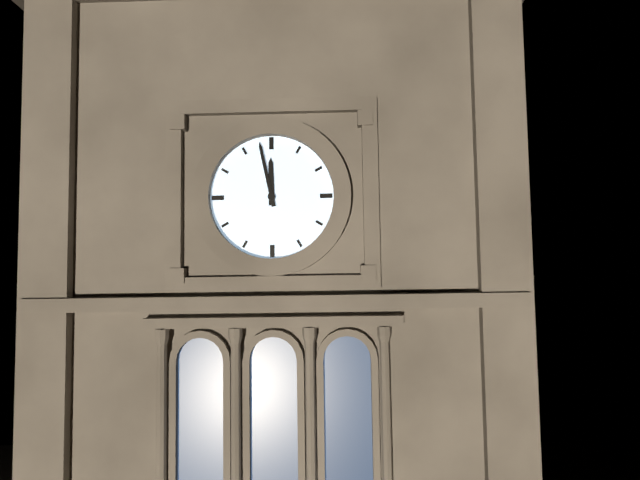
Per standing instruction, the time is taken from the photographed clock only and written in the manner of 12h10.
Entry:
11h58
